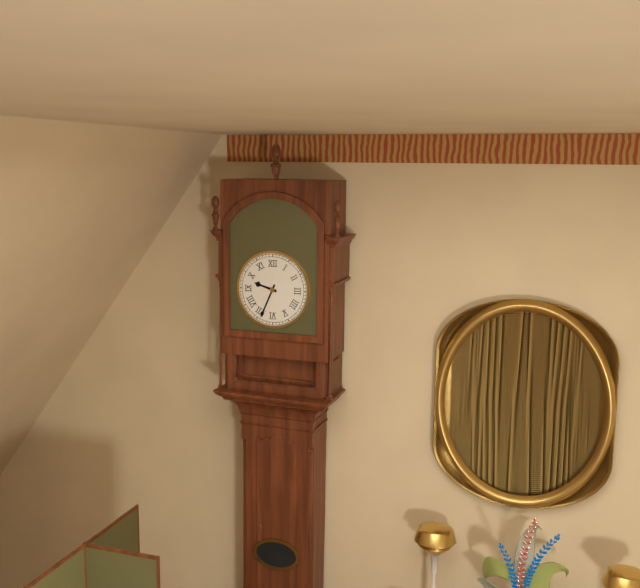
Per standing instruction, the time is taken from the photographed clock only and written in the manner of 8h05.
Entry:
9h34
